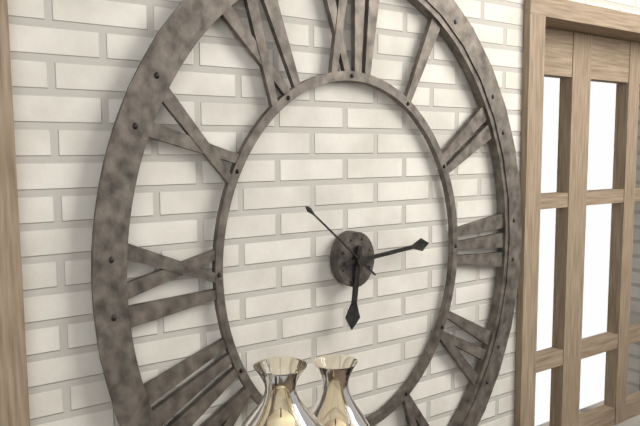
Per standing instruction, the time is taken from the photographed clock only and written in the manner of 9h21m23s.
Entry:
6h14m52s
